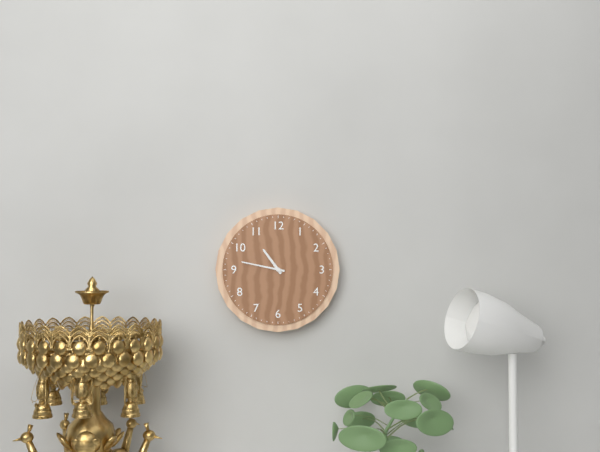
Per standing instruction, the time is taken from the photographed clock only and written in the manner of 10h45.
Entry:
10h47
